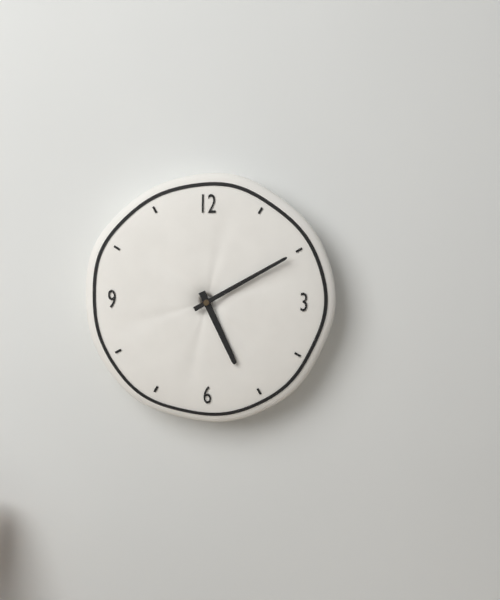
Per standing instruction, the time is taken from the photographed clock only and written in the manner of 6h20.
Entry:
5h10
